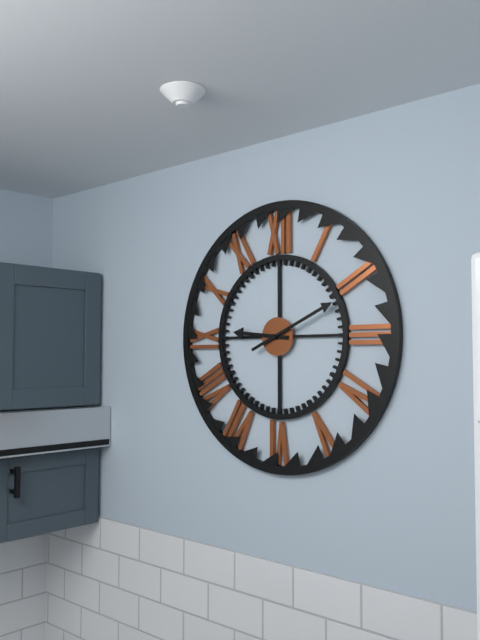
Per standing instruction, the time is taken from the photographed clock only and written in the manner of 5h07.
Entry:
9h11
